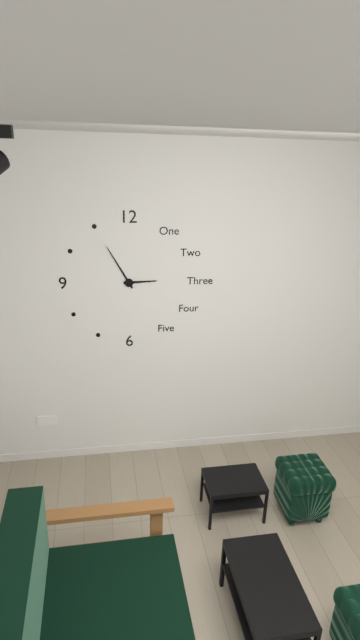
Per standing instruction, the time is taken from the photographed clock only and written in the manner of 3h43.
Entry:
2h55
